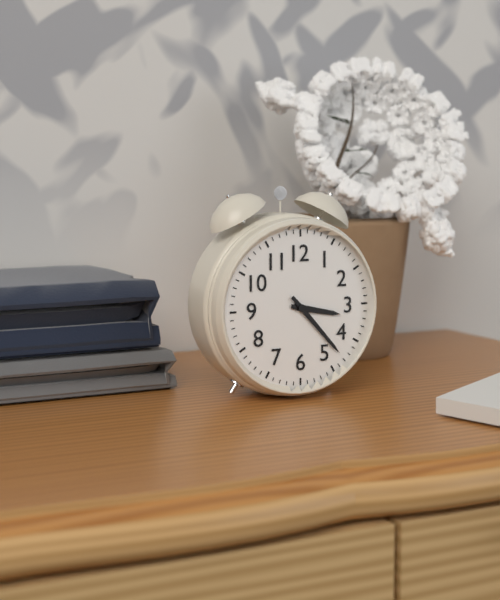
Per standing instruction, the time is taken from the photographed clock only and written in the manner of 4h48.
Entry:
3h23
